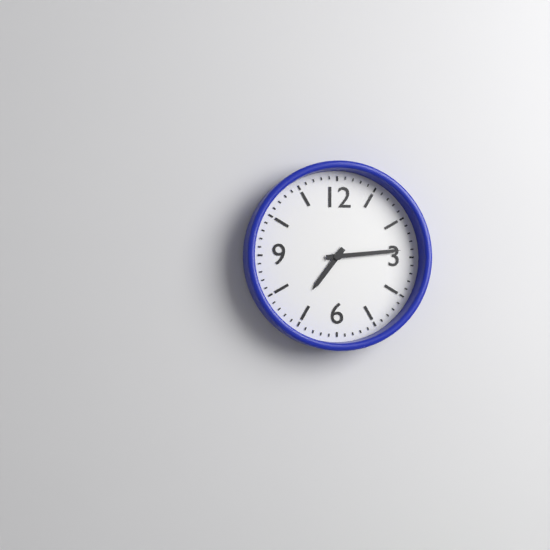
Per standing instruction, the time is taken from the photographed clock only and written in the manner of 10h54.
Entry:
7h14
